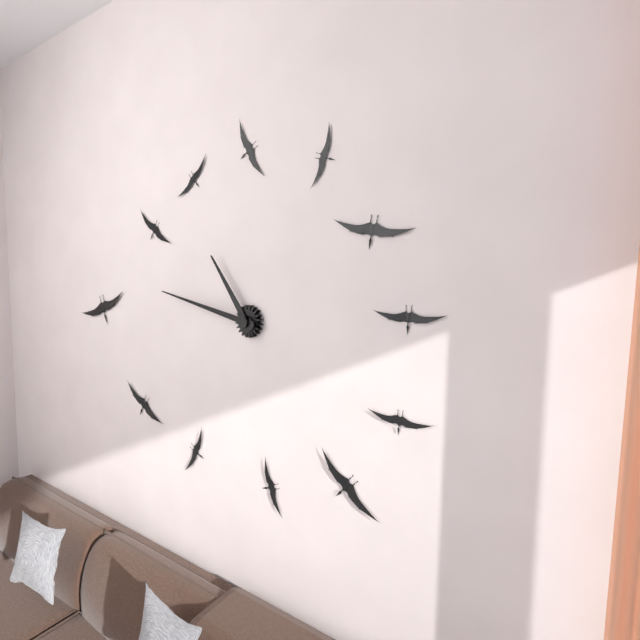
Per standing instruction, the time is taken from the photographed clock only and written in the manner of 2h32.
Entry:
10h47
